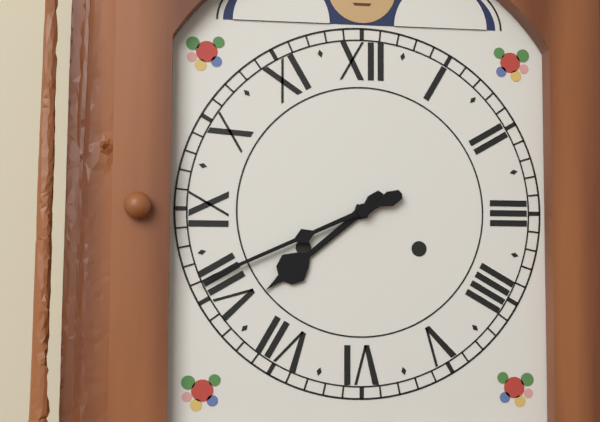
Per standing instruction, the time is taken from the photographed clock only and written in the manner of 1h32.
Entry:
7h41
